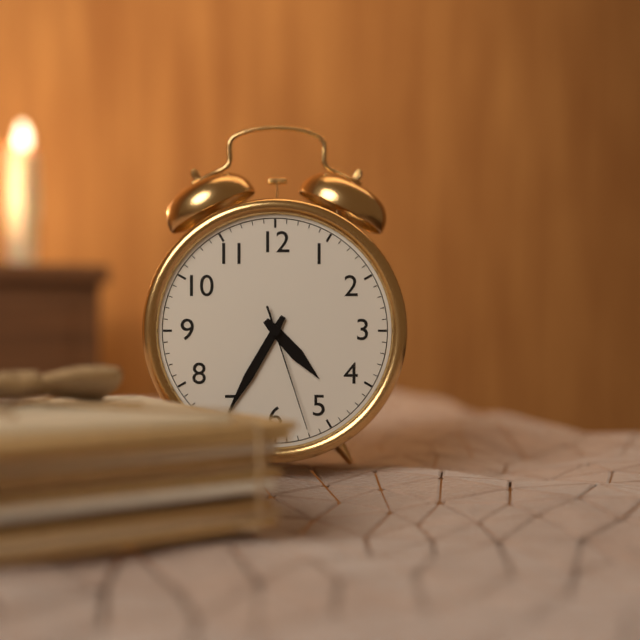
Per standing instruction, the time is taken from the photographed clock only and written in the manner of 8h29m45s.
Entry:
4h35m27s
